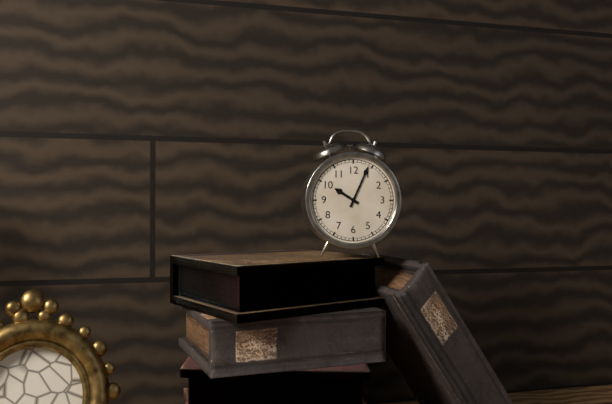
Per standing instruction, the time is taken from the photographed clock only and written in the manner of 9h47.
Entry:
10h04
